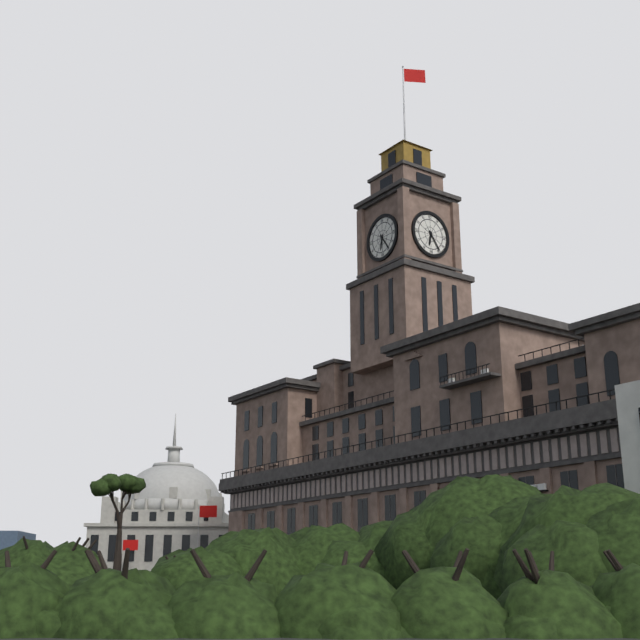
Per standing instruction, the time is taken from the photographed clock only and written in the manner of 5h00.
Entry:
6h24
